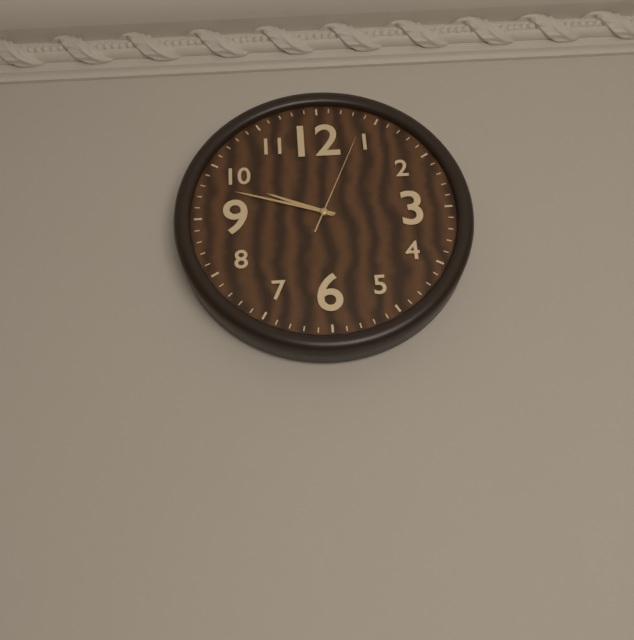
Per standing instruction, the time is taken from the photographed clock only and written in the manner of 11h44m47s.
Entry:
9h48m04s
